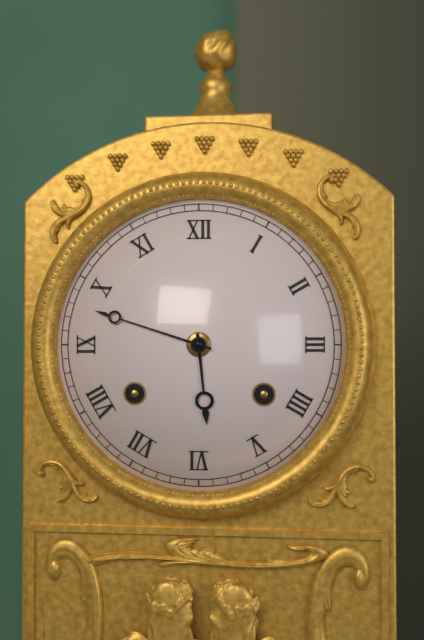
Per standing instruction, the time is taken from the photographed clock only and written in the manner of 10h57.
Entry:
5h48
